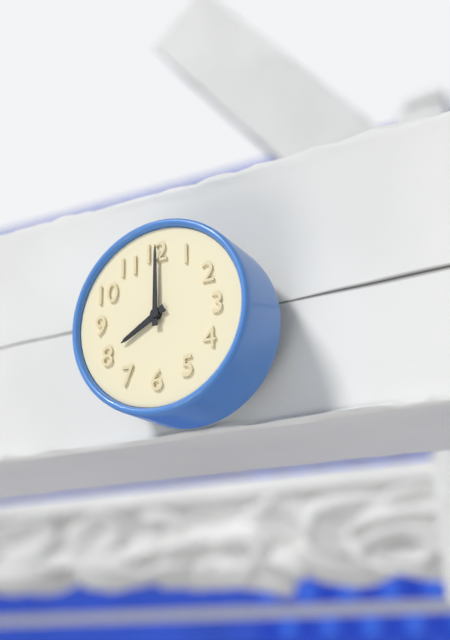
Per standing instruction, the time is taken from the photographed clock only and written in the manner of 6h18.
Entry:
8h00
